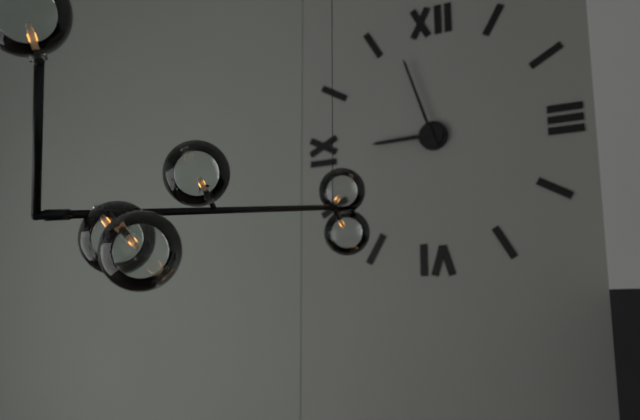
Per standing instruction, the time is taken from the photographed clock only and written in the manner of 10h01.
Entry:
8h57
